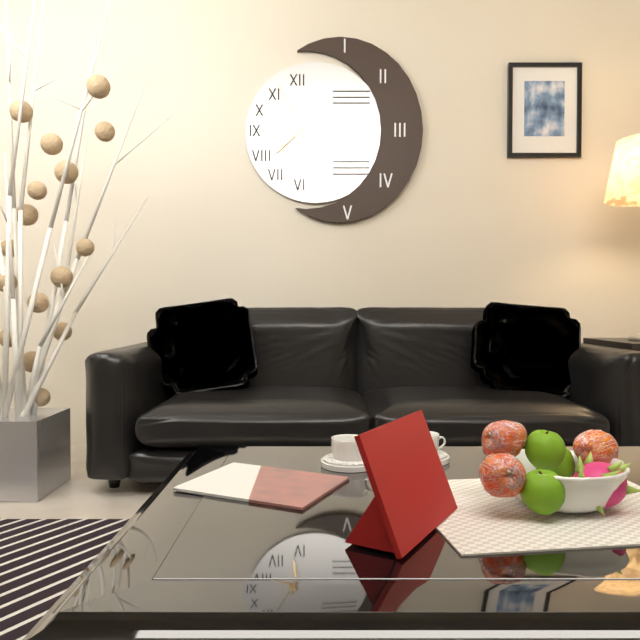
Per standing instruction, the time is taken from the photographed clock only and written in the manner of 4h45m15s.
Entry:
7h31m56s
